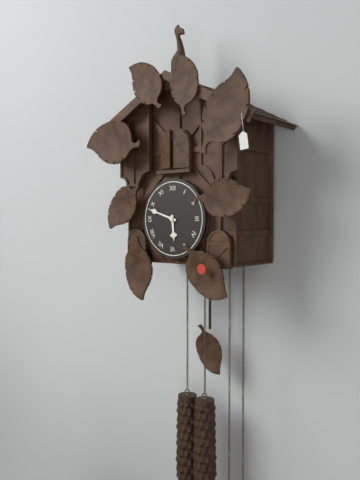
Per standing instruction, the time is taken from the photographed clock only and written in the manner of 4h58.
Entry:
5h48
